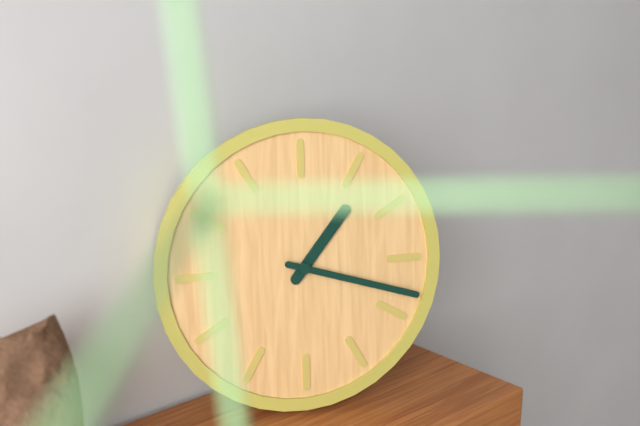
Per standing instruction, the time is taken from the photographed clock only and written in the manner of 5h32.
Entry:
1h18
